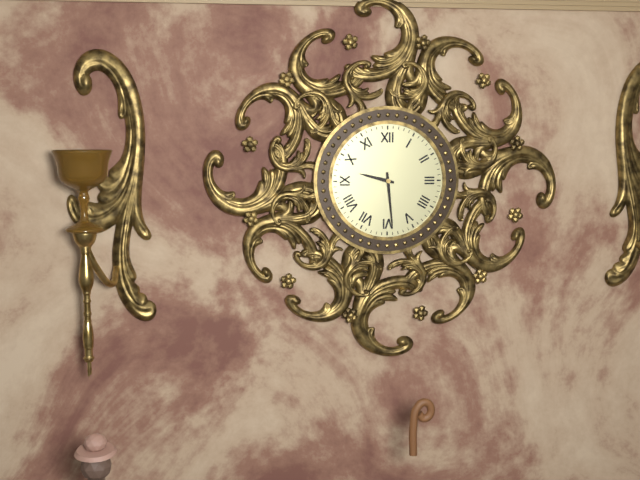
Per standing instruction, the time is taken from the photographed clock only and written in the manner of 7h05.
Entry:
9h29
